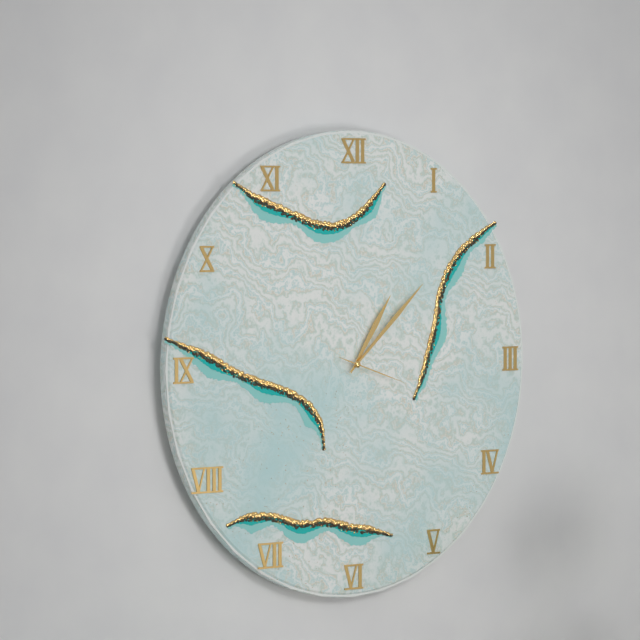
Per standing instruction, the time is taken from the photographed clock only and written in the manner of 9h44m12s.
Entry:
1h08m18s
